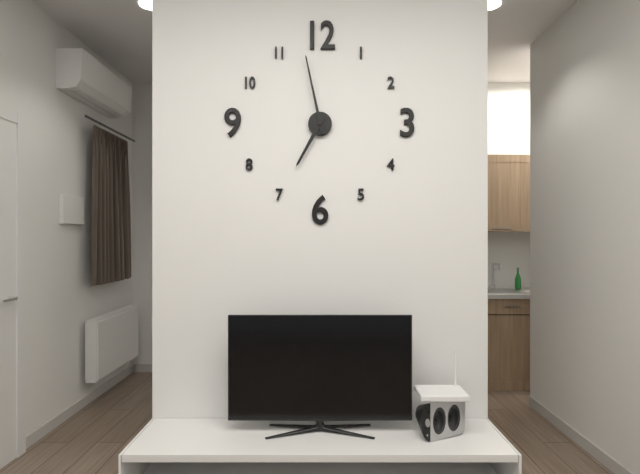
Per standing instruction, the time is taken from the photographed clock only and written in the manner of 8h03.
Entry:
6h58
